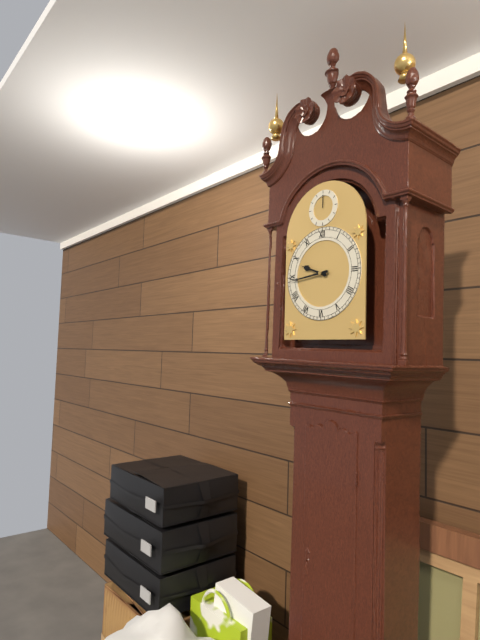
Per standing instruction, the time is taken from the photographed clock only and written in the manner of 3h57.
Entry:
9h44
